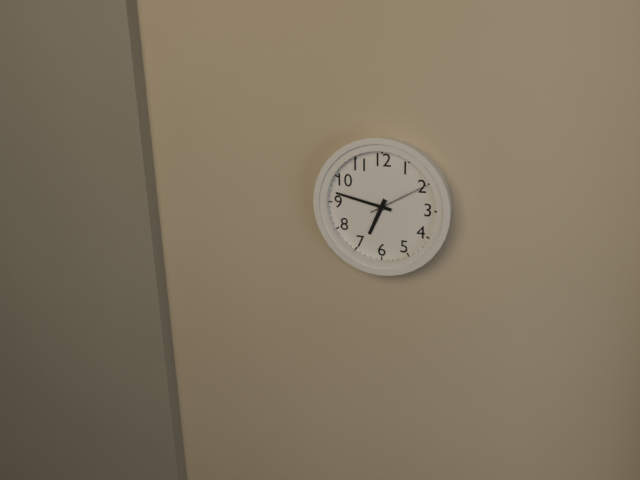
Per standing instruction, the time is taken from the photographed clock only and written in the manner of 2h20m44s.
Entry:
6h47m10s
